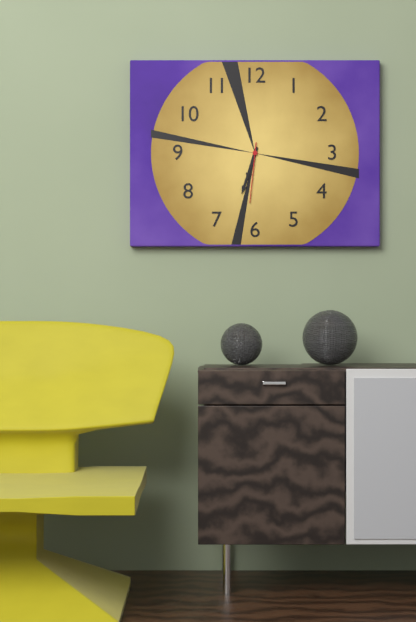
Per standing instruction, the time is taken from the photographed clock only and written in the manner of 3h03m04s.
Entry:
6h33m31s
